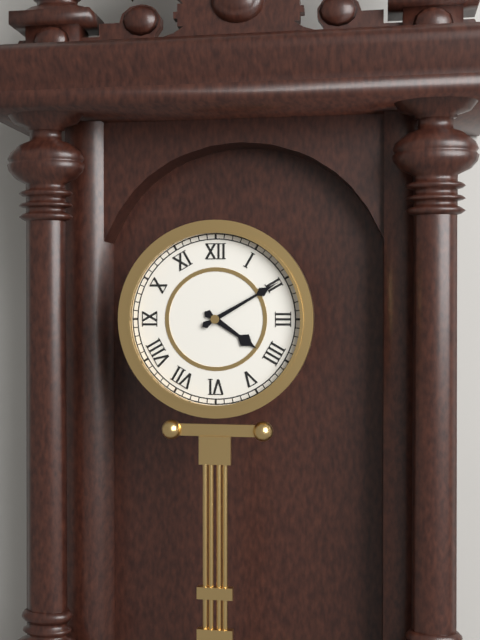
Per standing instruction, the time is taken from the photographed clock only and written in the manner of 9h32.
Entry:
4h10
